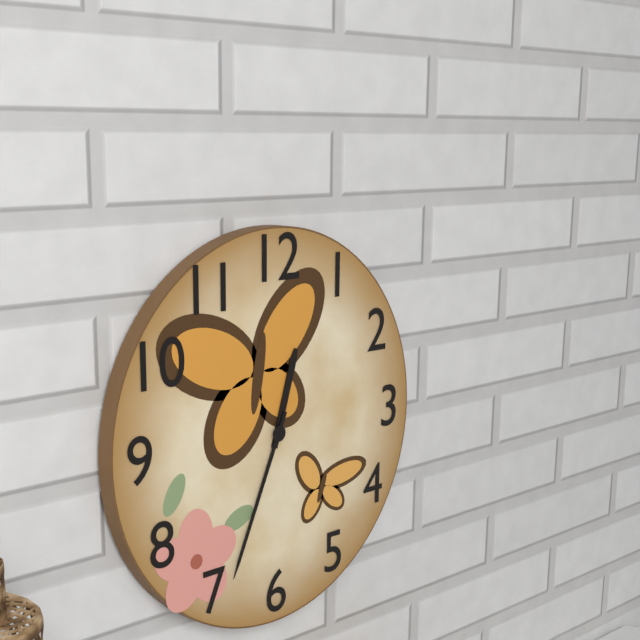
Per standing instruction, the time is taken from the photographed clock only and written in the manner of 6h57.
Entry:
12h34
